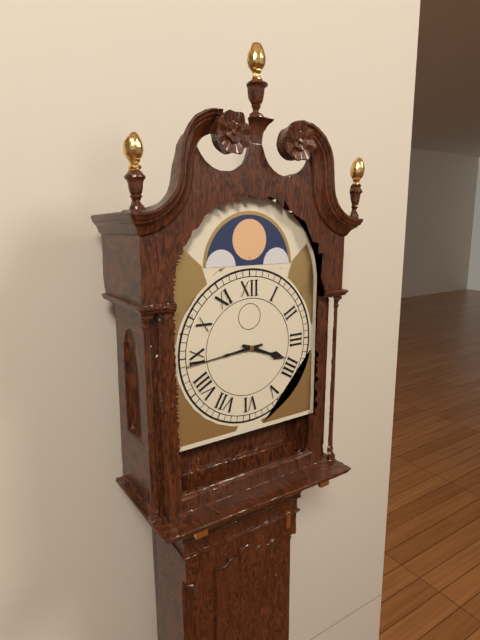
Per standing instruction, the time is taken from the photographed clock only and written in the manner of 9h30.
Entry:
3h44
